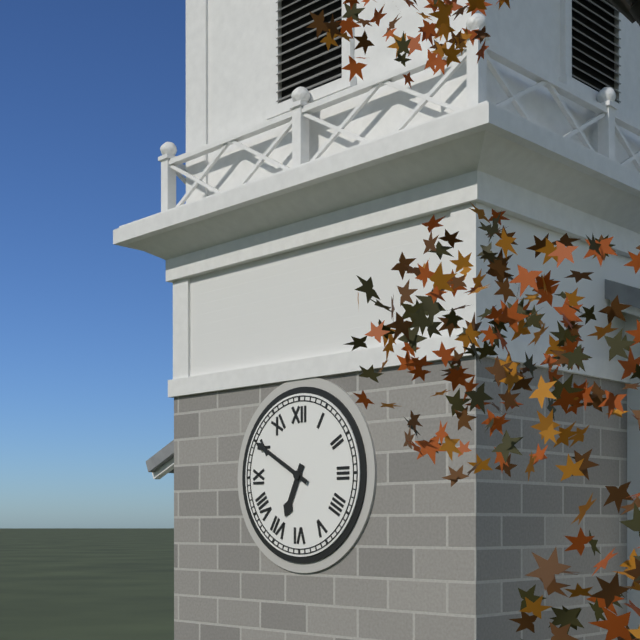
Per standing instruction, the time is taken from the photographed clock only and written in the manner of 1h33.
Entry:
6h50
